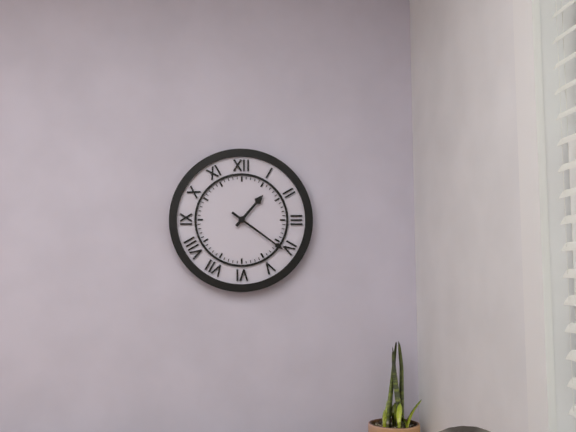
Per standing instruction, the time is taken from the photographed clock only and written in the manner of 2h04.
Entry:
1h21
